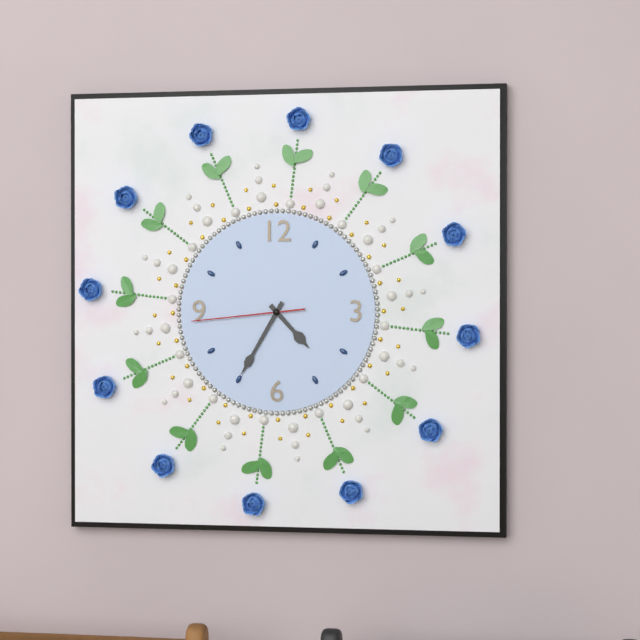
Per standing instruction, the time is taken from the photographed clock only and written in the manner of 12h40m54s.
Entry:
4h35m44s
